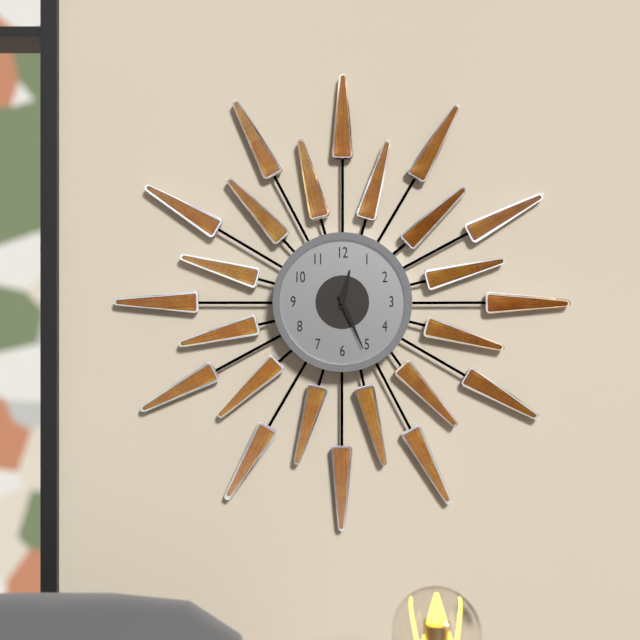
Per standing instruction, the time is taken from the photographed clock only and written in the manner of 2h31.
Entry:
12h26
